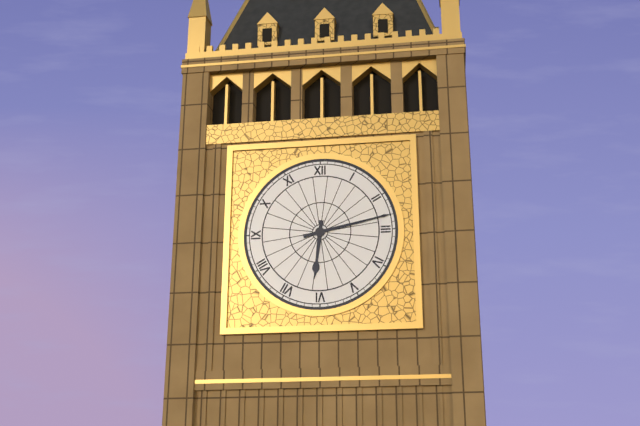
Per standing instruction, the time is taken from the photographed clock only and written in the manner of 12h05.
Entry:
6h13
